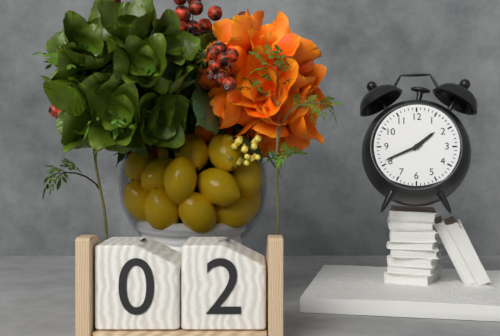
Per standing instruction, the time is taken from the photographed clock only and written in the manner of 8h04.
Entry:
1h41
